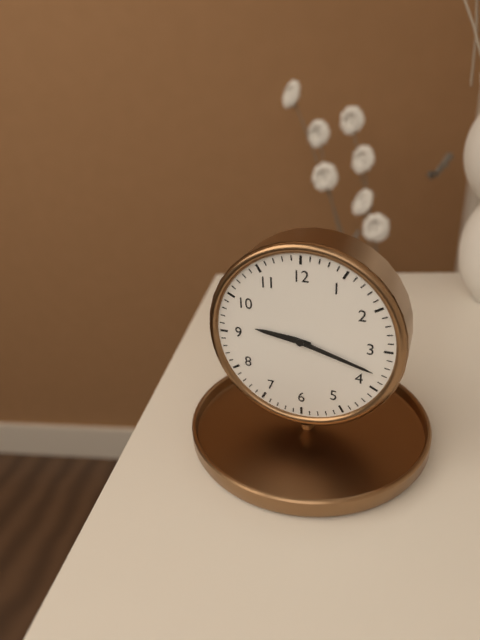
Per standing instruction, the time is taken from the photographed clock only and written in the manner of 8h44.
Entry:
9h18
